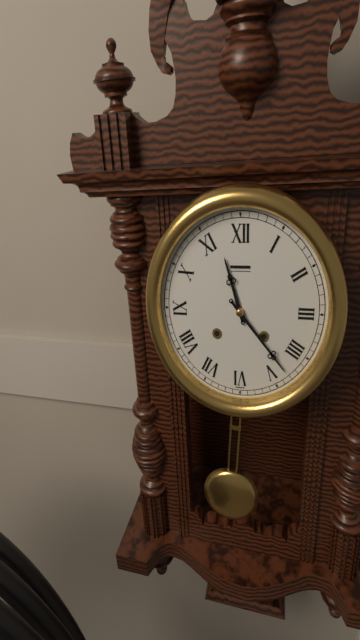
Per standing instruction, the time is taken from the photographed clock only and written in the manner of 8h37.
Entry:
11h23
